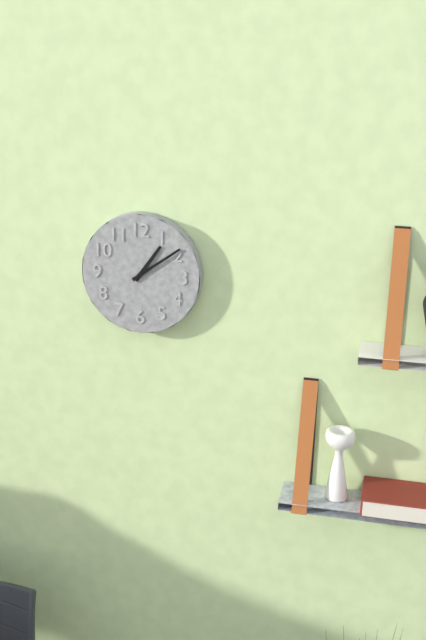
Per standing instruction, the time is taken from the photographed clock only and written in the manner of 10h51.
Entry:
1h09
